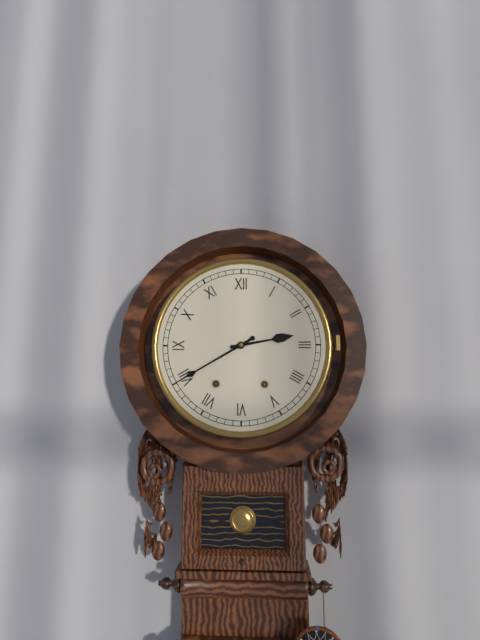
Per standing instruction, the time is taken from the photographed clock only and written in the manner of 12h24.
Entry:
2h40
